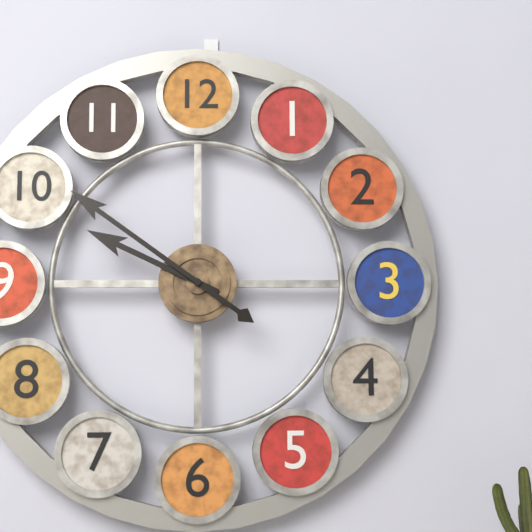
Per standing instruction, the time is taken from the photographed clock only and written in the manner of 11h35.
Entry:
9h51
